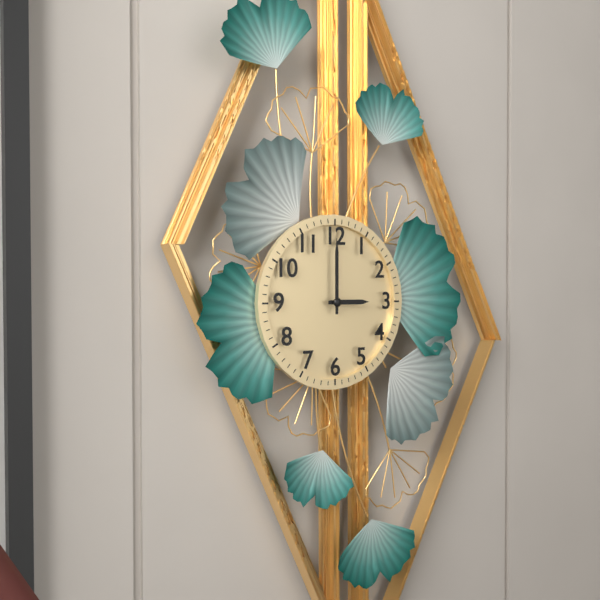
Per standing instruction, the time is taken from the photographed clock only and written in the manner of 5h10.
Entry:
3h00
